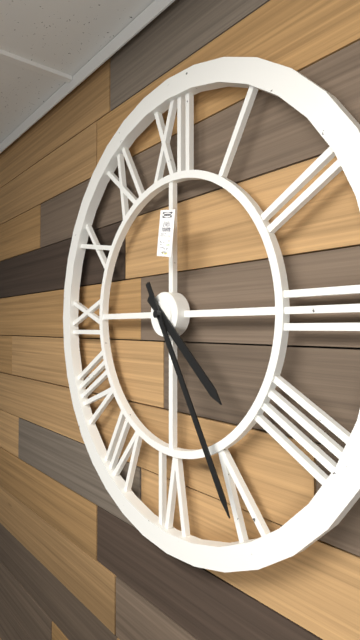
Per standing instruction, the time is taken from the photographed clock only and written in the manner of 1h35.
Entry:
4h25
